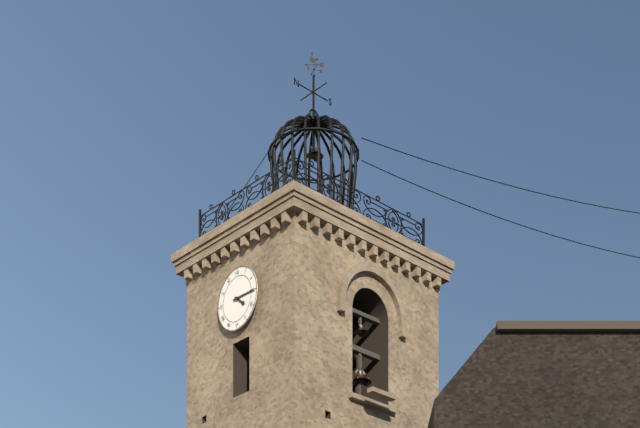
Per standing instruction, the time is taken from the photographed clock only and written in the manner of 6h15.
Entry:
4h15
